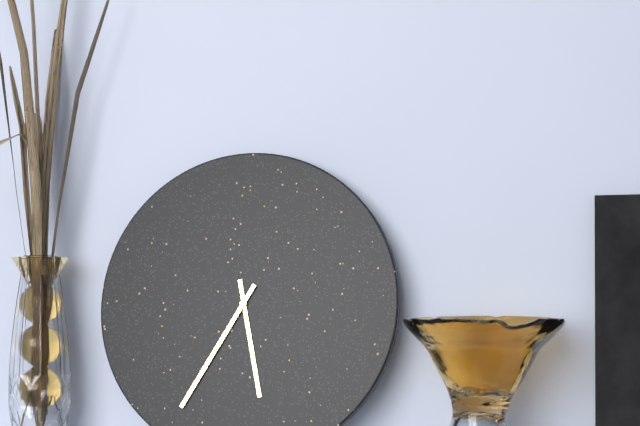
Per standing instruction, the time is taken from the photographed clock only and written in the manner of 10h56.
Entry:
5h35
